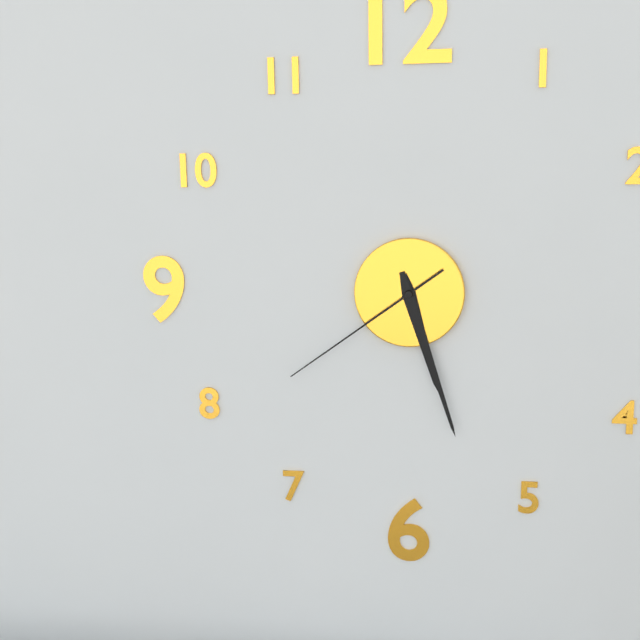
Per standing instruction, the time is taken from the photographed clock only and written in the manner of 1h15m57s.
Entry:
5h27m39s
